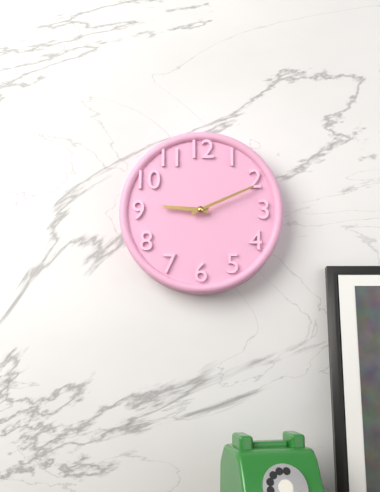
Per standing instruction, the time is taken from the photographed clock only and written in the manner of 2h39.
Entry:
9h11
